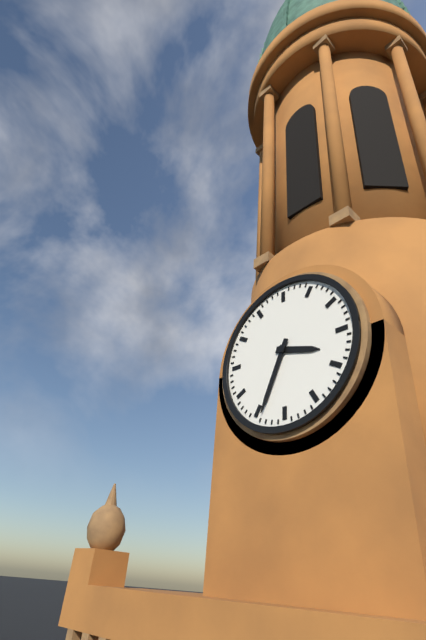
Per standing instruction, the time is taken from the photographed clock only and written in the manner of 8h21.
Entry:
3h34
